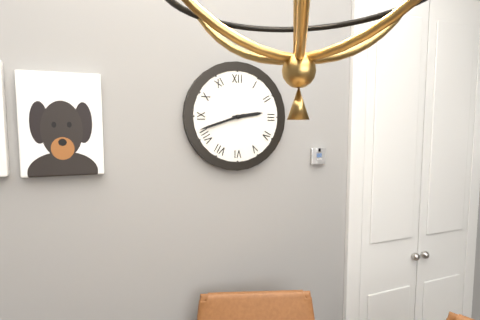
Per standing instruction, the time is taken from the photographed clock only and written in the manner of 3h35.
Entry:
2h42
